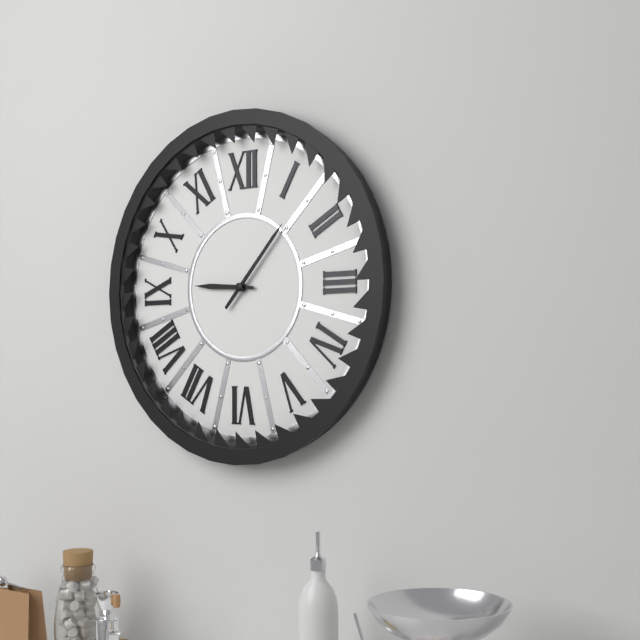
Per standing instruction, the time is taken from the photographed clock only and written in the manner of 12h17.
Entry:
9h07
